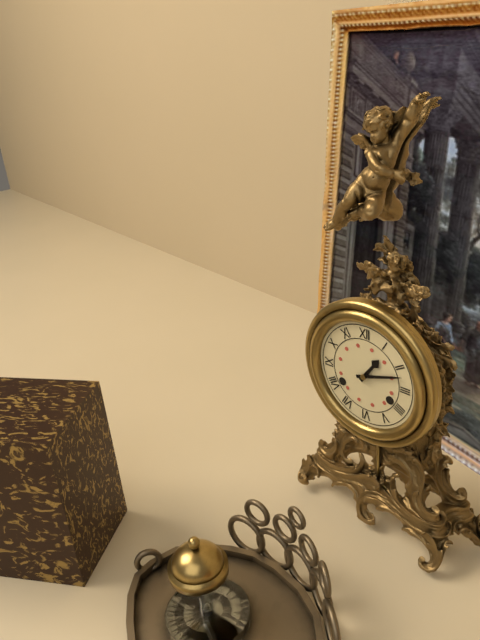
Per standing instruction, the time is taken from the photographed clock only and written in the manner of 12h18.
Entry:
1h12
